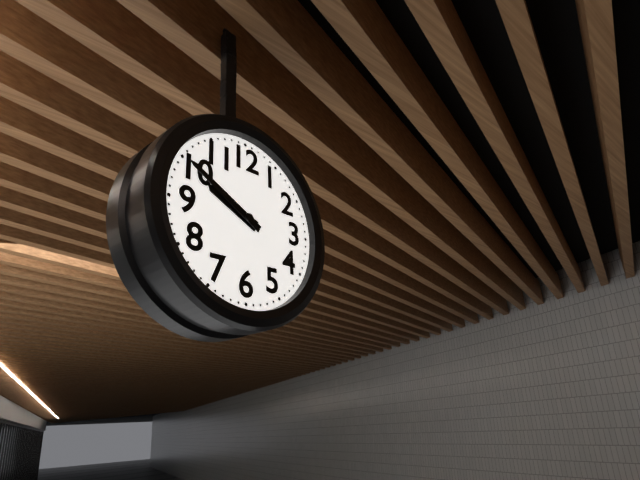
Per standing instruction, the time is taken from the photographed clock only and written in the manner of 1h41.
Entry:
9h50
